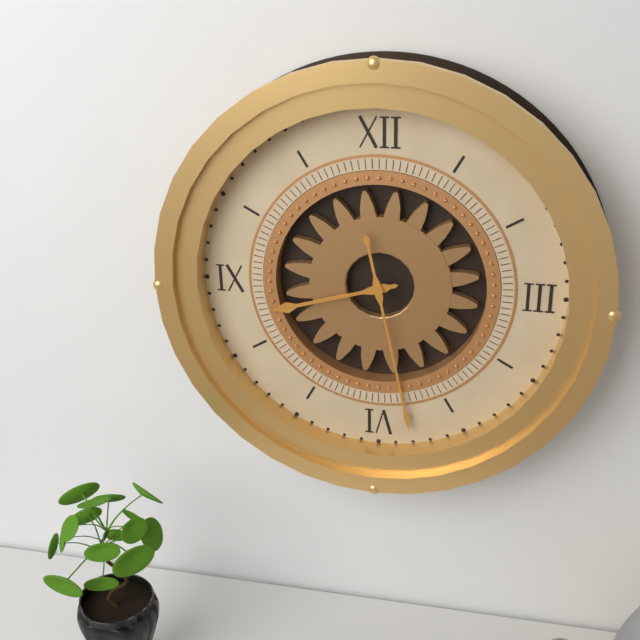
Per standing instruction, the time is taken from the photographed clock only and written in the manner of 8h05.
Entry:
8h28
